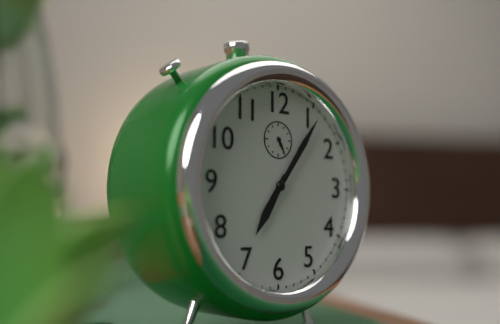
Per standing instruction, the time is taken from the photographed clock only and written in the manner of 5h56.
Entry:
7h06
